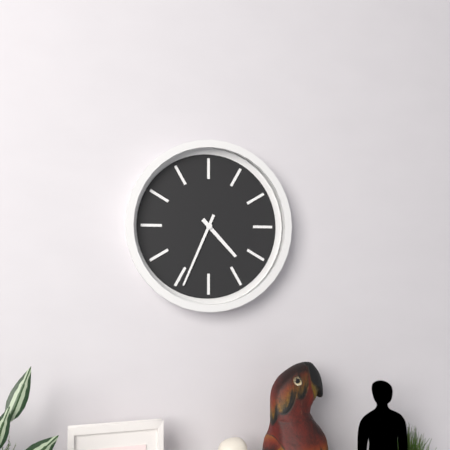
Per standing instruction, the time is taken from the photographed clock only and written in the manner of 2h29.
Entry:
4h34
